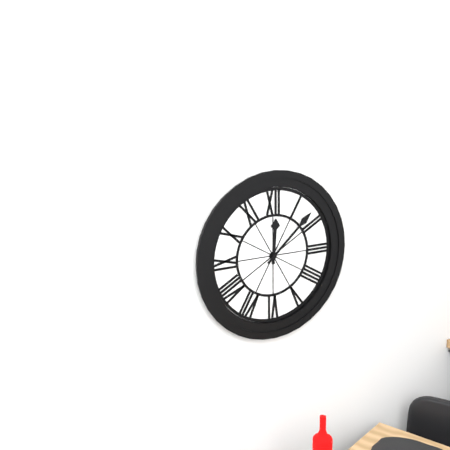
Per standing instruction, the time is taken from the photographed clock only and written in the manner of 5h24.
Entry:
12h08
